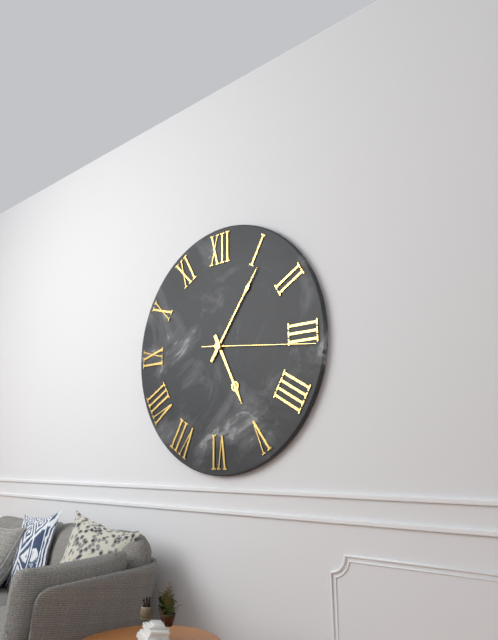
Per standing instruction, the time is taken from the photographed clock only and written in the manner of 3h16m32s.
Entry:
5h06m16s
